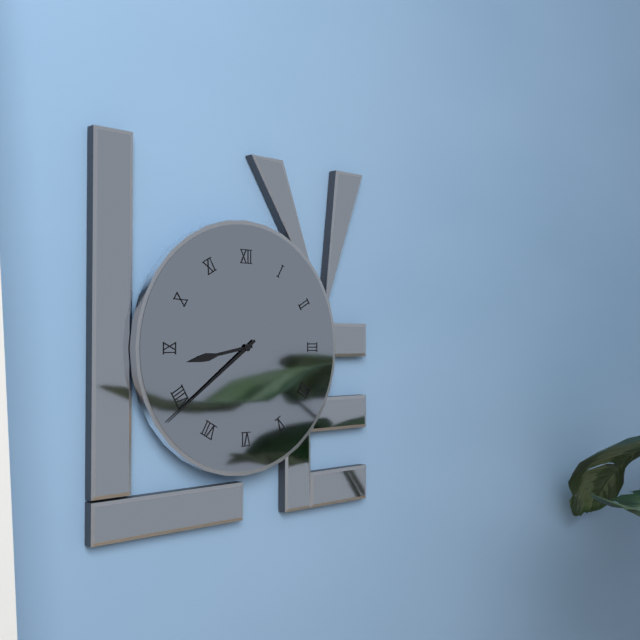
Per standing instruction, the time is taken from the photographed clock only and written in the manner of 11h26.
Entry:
8h39
